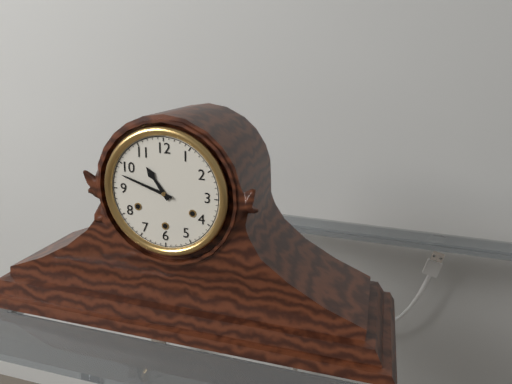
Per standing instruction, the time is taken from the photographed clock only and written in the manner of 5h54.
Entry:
10h48
